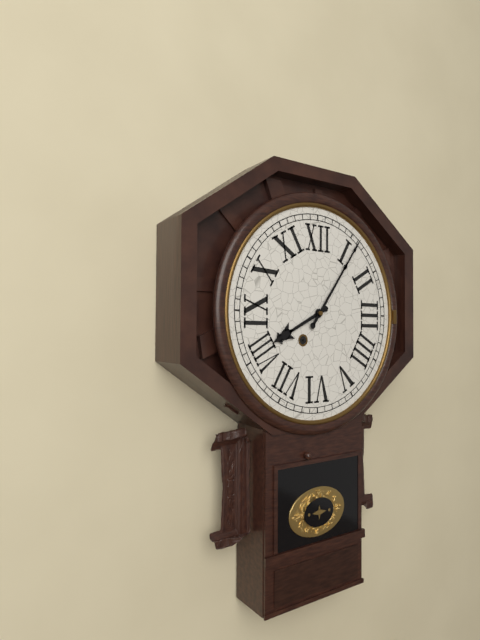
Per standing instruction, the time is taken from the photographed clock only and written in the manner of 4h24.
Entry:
8h06
